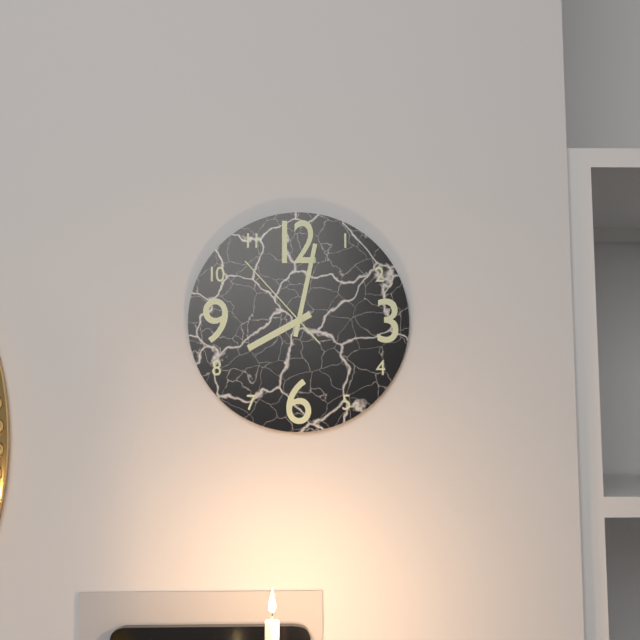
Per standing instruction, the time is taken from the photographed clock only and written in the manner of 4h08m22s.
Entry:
8h02m53s
